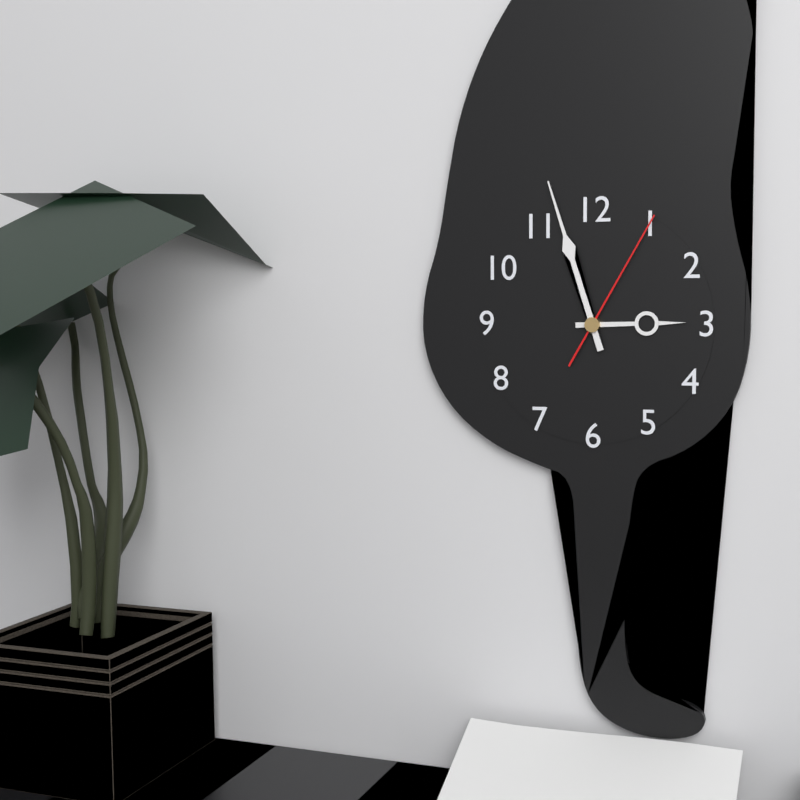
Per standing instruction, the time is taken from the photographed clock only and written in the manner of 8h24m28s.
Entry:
2h57m05s
